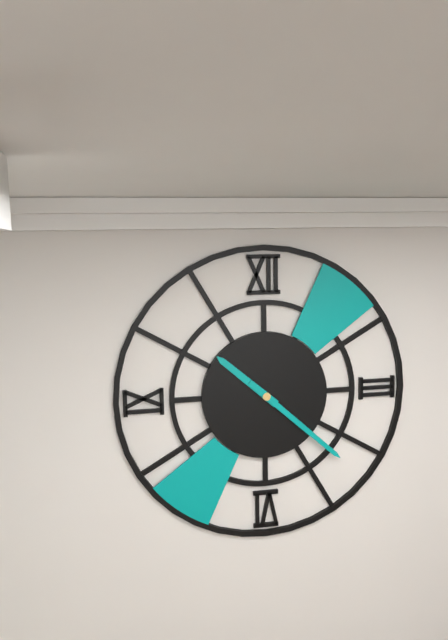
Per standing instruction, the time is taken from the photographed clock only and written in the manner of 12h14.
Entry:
10h22
